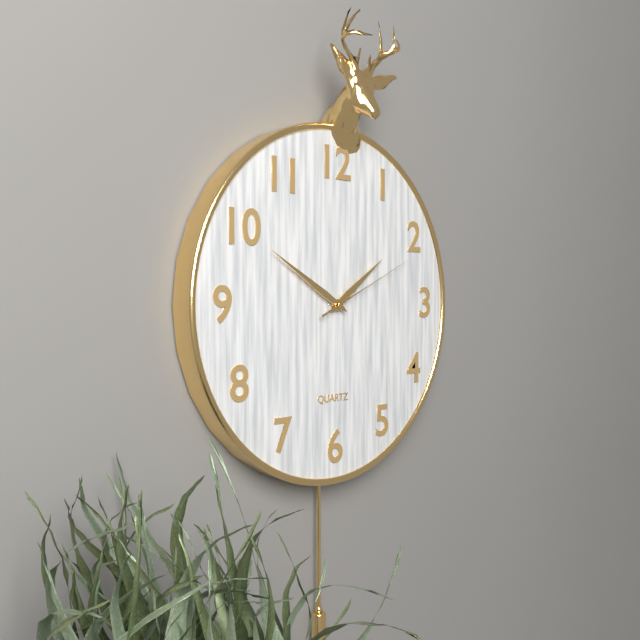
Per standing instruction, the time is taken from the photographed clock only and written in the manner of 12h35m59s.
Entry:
1h50m11s
